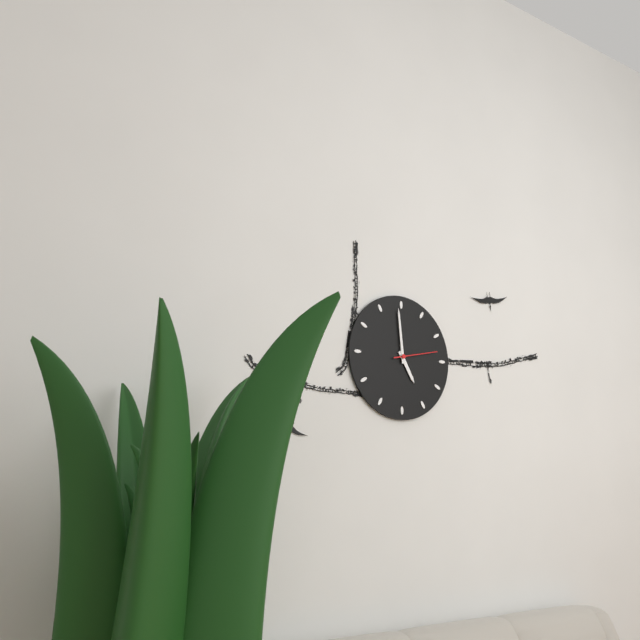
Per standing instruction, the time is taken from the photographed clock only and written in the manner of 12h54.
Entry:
4h59
